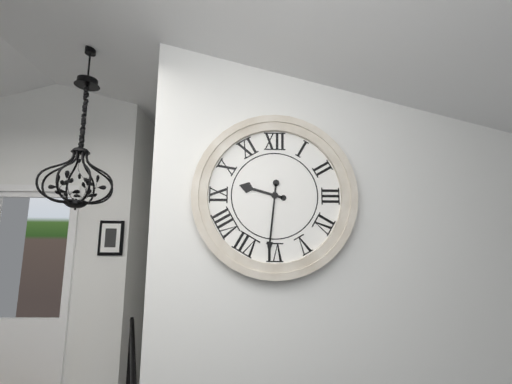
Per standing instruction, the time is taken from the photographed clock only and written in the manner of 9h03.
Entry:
9h31
